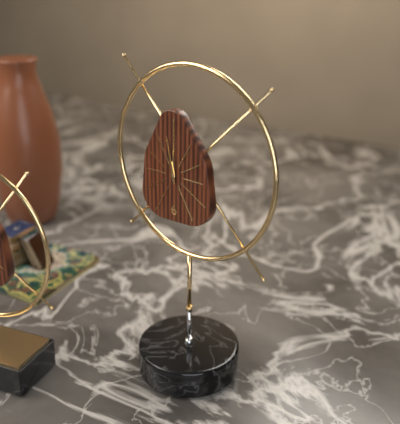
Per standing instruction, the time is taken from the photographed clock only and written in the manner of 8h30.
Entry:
11h58
